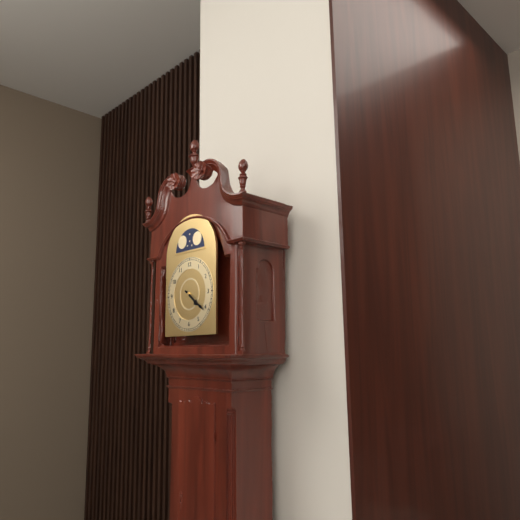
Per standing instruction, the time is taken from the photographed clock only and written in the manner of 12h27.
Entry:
4h21
